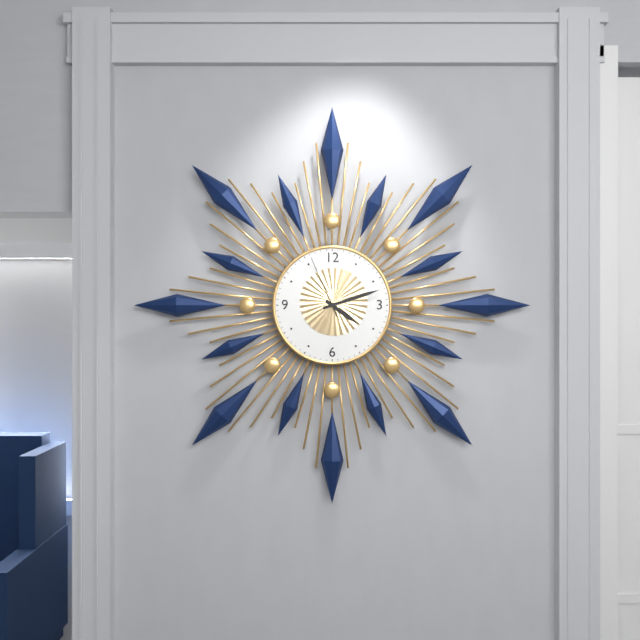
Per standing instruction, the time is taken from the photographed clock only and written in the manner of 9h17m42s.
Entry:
4h12m56s
